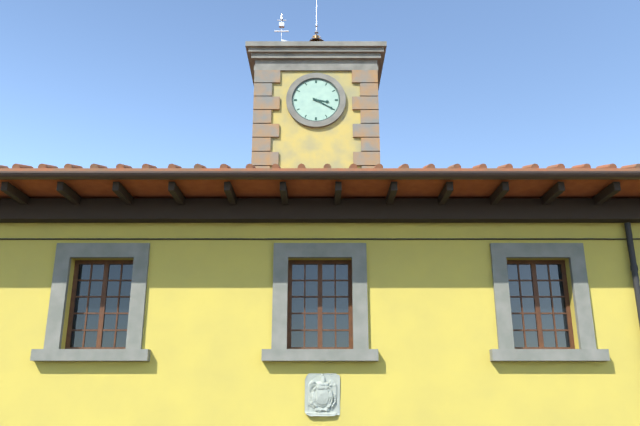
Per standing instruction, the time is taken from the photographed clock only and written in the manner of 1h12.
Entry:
3h20
